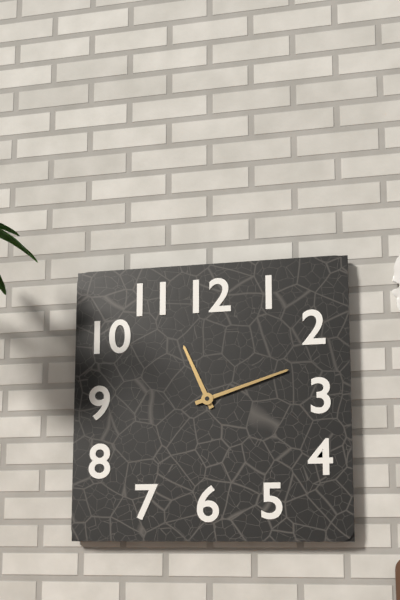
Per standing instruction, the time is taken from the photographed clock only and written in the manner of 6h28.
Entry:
11h12
